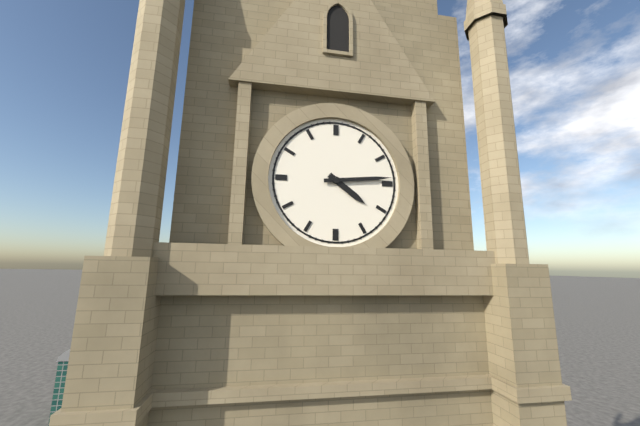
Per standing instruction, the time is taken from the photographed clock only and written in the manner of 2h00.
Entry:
4h14
